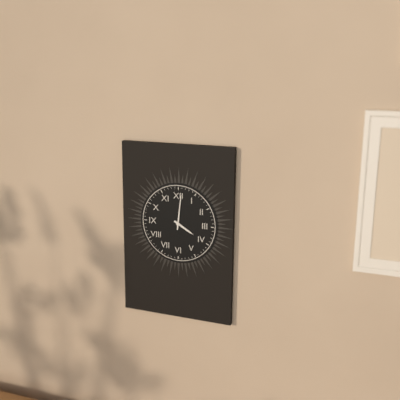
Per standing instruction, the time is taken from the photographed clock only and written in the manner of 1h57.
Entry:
4h01
